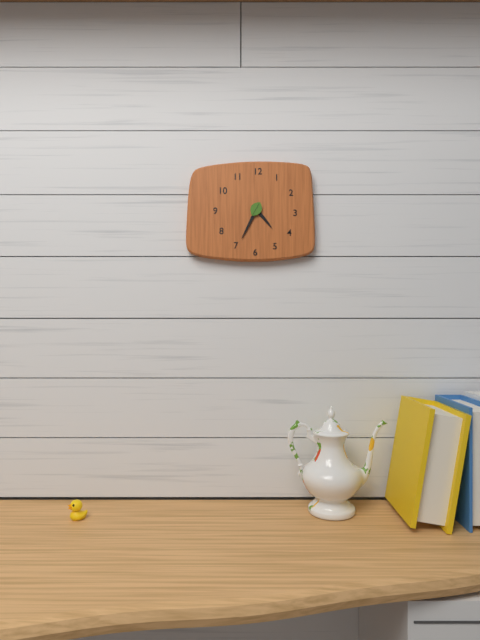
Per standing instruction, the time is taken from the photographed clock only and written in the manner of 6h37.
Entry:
4h34
